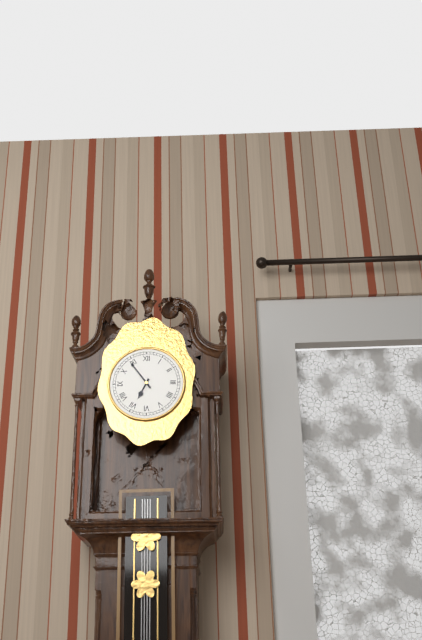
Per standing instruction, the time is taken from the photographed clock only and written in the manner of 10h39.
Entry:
6h54
